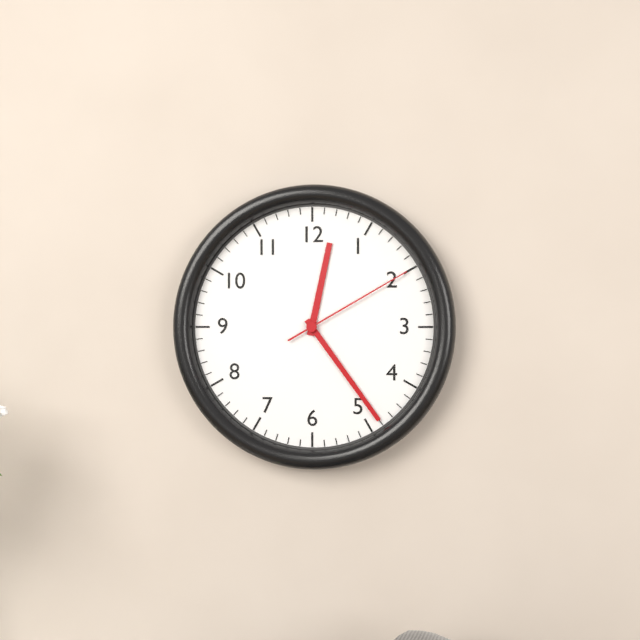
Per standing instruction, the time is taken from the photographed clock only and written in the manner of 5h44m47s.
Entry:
12h24m10s
